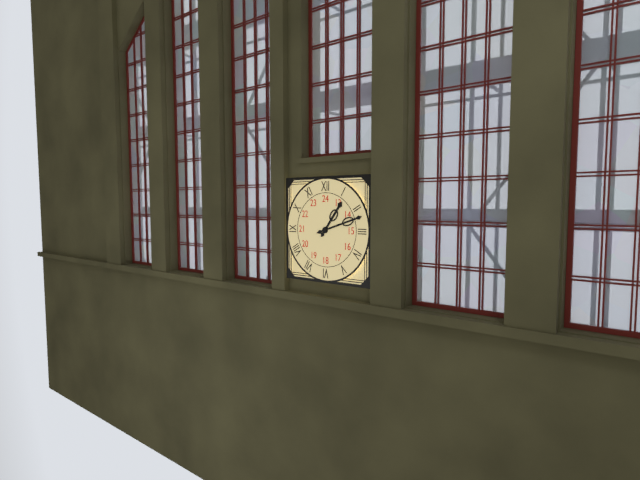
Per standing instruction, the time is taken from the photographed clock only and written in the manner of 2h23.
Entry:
1h12
